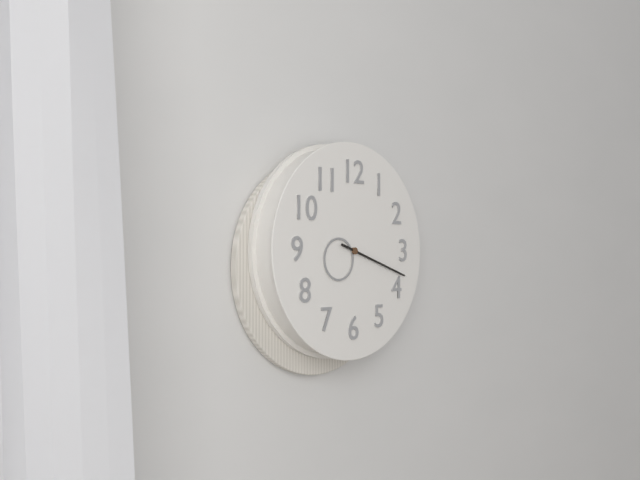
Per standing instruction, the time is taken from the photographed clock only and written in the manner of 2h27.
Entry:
8h18
